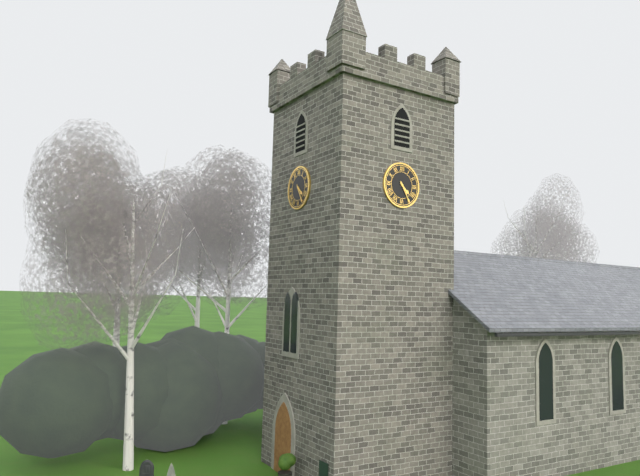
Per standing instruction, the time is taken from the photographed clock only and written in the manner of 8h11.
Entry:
4h25
